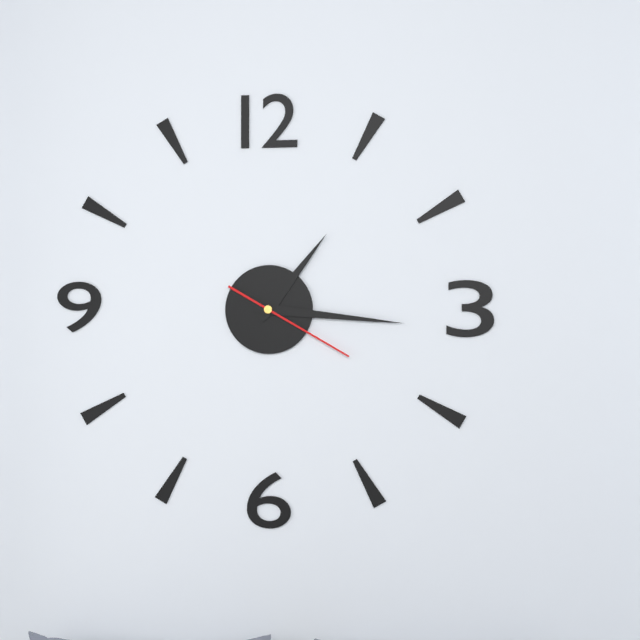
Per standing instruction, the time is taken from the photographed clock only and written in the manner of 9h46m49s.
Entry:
1h16m20s
